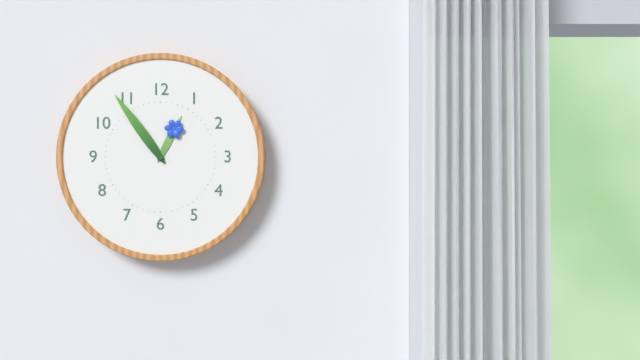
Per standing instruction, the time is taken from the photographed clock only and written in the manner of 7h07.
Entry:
12h54
